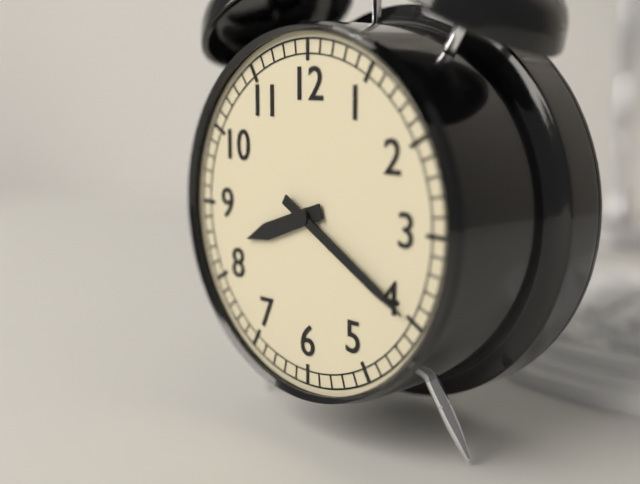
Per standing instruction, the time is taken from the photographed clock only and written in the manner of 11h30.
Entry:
8h20
